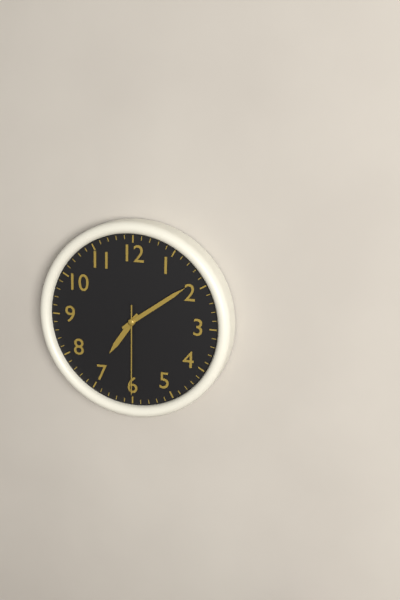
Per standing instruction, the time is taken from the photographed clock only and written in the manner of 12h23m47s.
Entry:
7h09m30s
